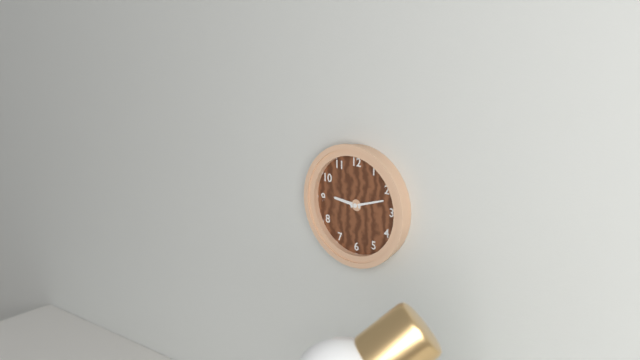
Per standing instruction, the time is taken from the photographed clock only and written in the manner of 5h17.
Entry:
9h12
